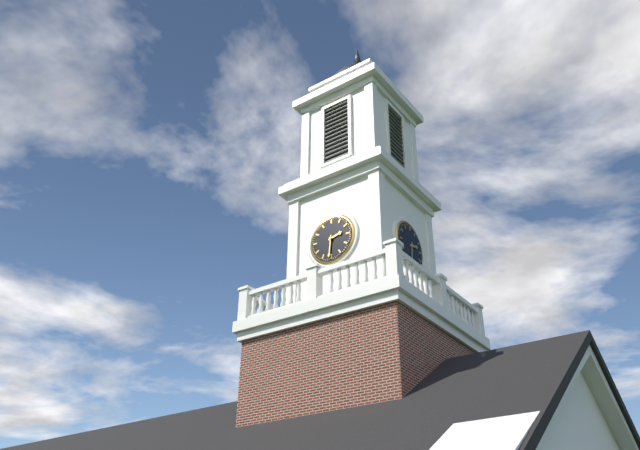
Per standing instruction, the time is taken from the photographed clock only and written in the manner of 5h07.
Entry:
2h31
